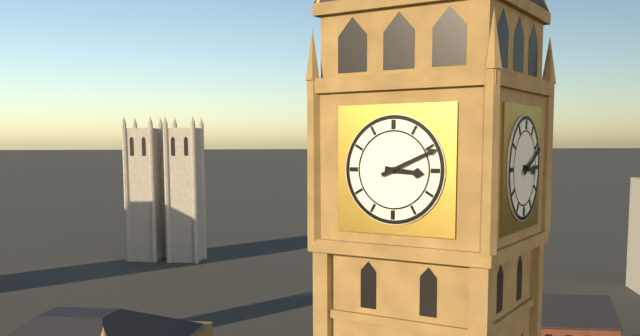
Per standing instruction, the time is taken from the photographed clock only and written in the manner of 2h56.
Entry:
3h11
